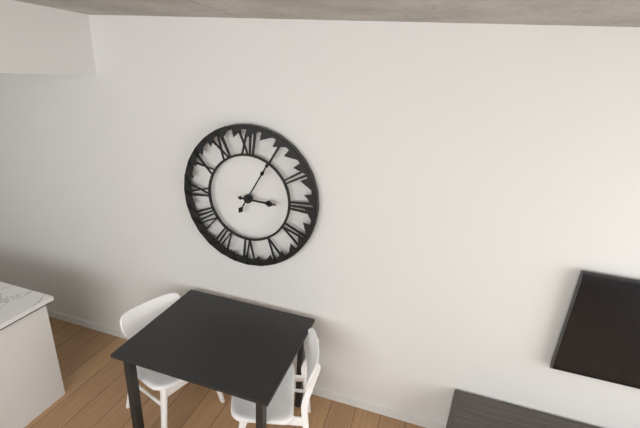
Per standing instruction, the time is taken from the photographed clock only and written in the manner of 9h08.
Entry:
3h05
